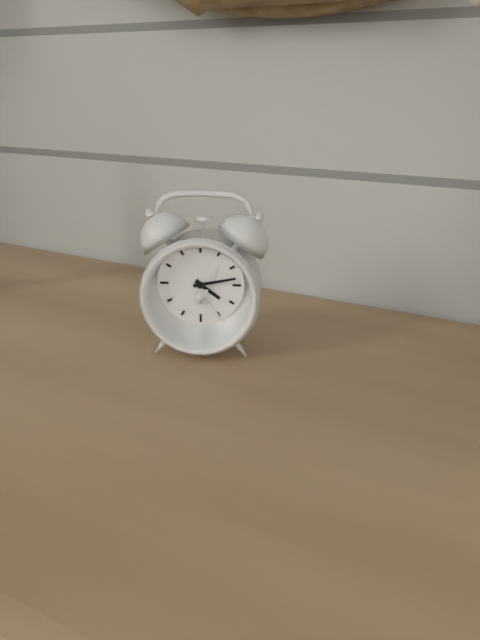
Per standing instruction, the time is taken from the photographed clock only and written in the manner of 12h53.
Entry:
4h13
